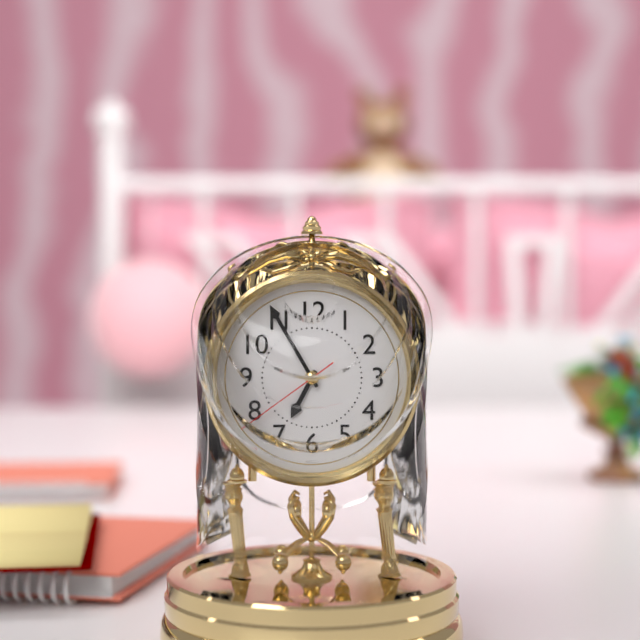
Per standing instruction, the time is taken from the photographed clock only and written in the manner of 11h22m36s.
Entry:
6h55m39s
